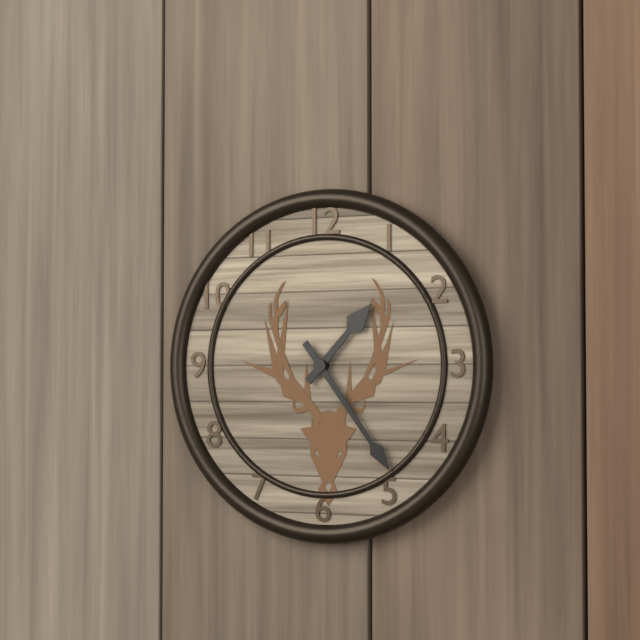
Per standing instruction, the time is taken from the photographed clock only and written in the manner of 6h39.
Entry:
1h24
